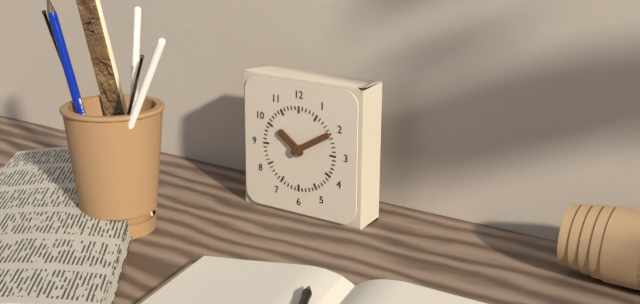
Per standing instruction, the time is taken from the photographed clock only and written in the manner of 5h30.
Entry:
10h10
